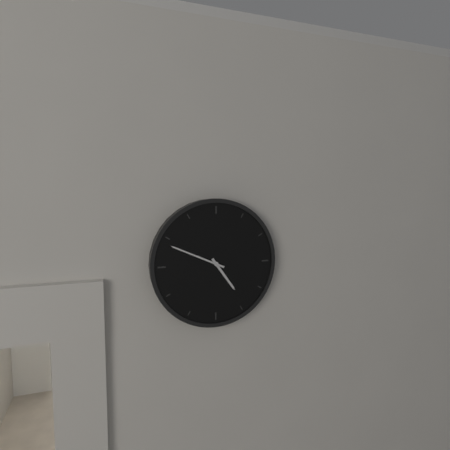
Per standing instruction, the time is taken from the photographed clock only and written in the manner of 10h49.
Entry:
4h49
